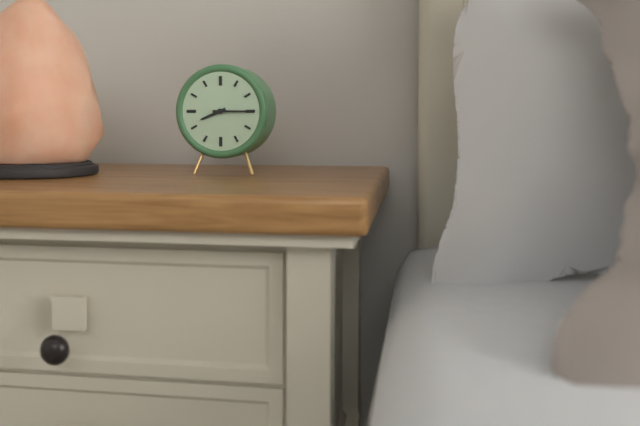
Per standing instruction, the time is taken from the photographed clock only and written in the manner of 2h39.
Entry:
8h15
